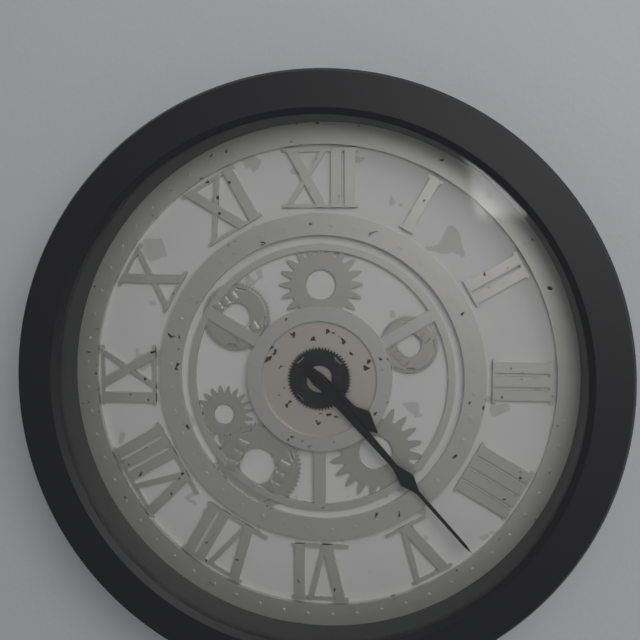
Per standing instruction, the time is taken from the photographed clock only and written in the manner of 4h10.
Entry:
4h23
